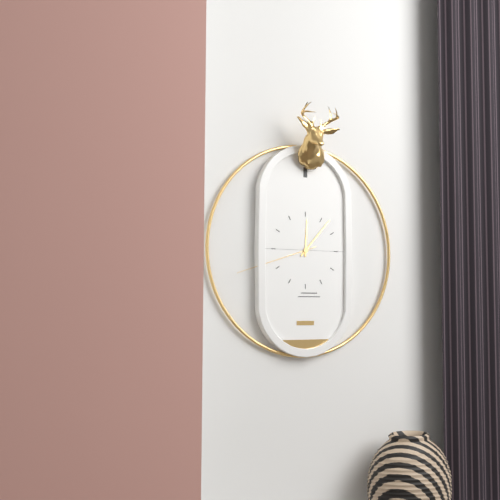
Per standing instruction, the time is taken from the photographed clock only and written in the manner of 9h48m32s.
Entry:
12h07m42s
